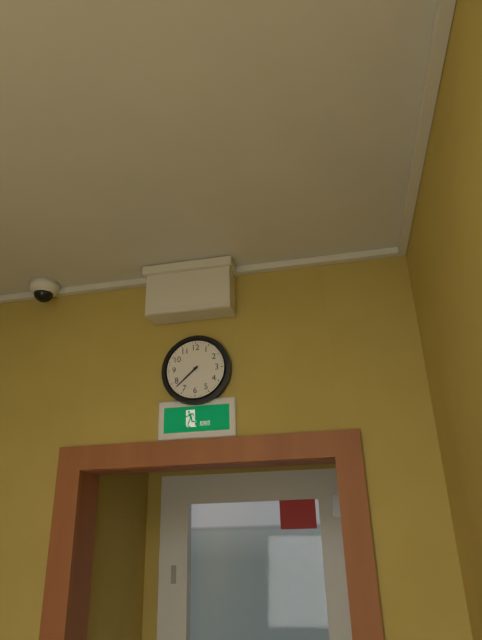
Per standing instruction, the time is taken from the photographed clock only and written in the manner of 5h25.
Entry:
7h38
